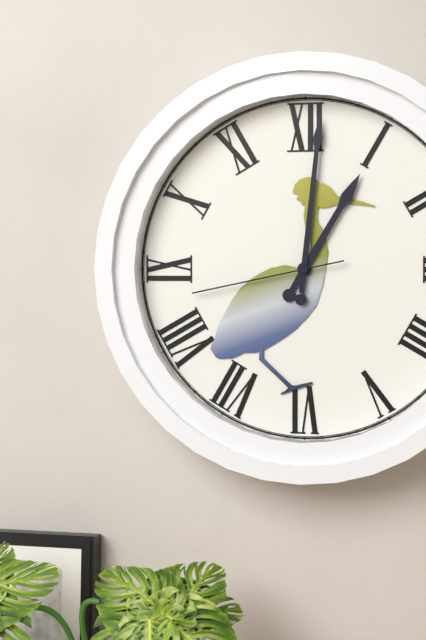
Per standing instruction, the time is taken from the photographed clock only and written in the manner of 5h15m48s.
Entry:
1h01m43s
